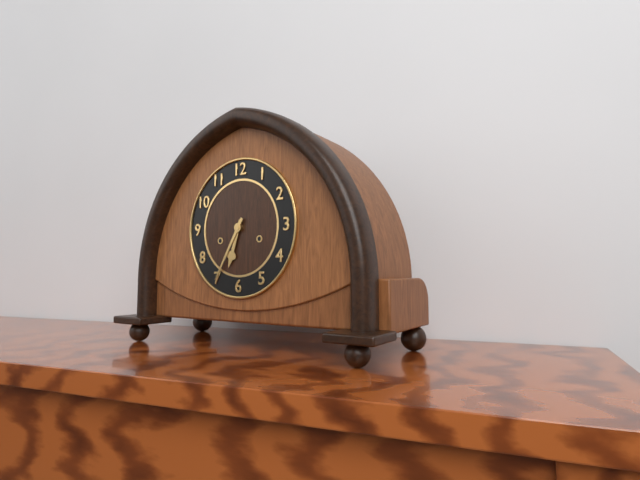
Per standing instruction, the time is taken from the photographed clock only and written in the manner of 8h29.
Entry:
6h35
